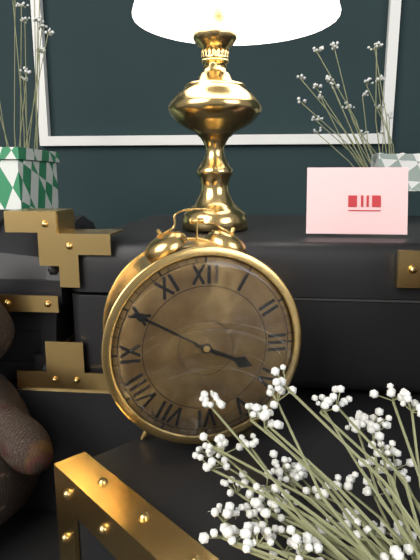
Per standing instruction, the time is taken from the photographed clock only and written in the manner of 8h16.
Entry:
3h50
